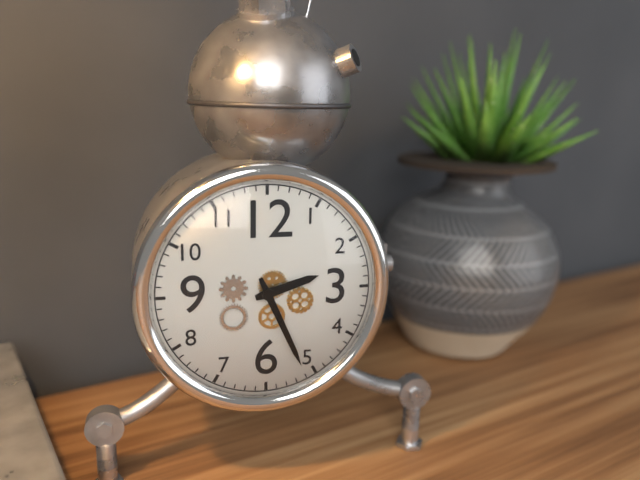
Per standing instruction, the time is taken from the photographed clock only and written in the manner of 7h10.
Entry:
2h26
